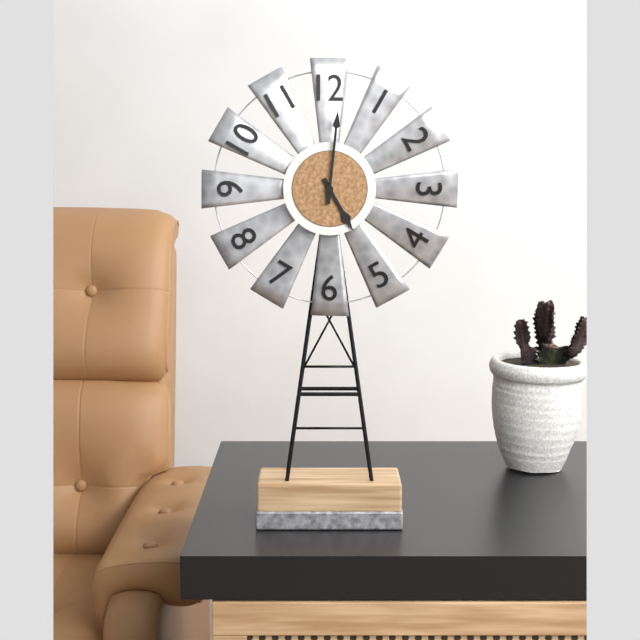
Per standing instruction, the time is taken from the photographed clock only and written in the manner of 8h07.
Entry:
5h01
